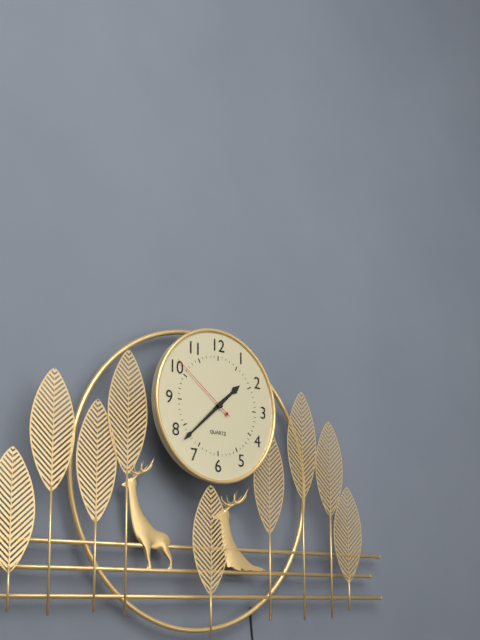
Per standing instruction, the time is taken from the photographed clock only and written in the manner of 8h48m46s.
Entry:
1h38m51s
